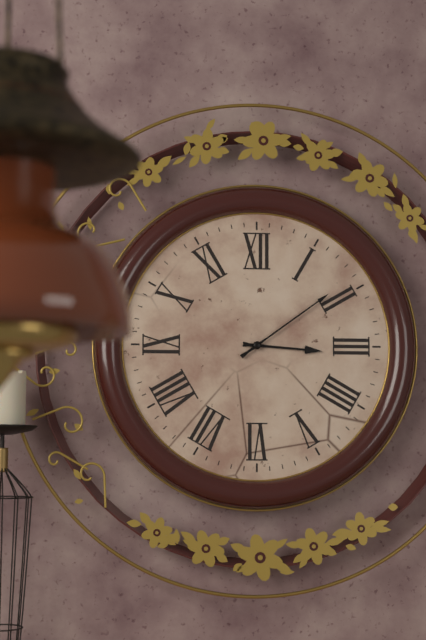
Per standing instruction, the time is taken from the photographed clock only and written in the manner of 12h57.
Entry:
3h09
